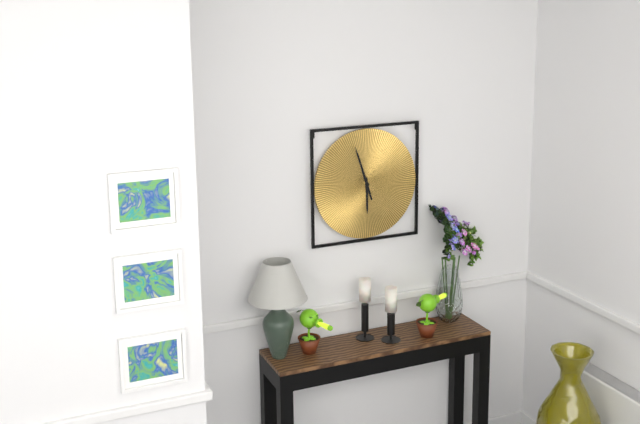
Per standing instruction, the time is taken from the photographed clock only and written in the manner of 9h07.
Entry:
5h57
